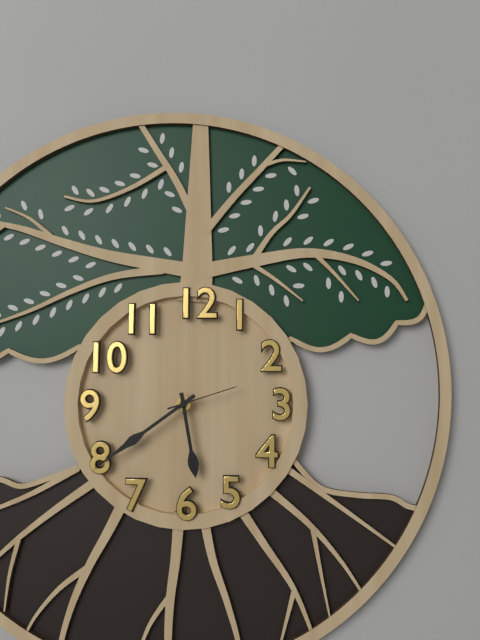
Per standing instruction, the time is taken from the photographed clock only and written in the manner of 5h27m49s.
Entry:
5h39m12s
